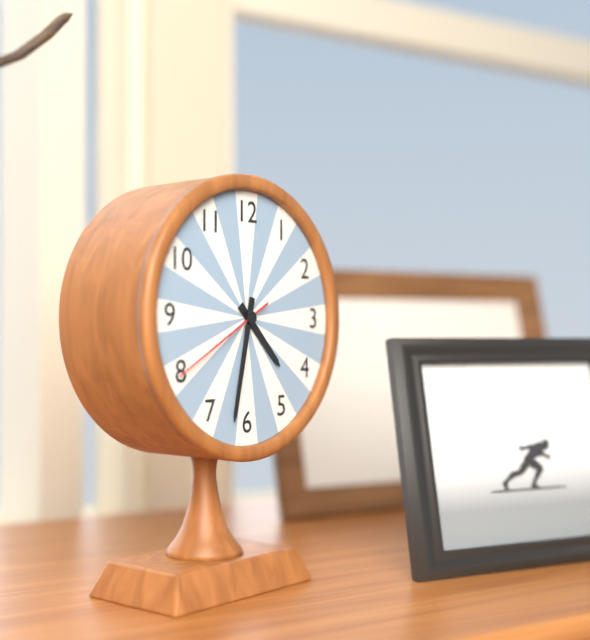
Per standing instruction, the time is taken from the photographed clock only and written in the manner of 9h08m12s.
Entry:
4h32m40s
